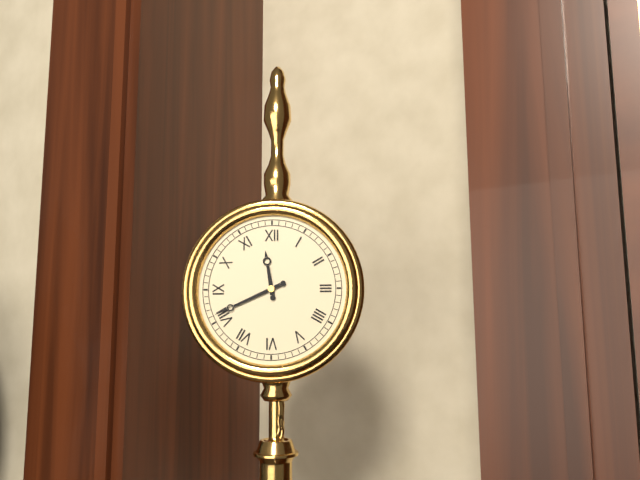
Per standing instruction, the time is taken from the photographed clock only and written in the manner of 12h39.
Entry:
11h41
